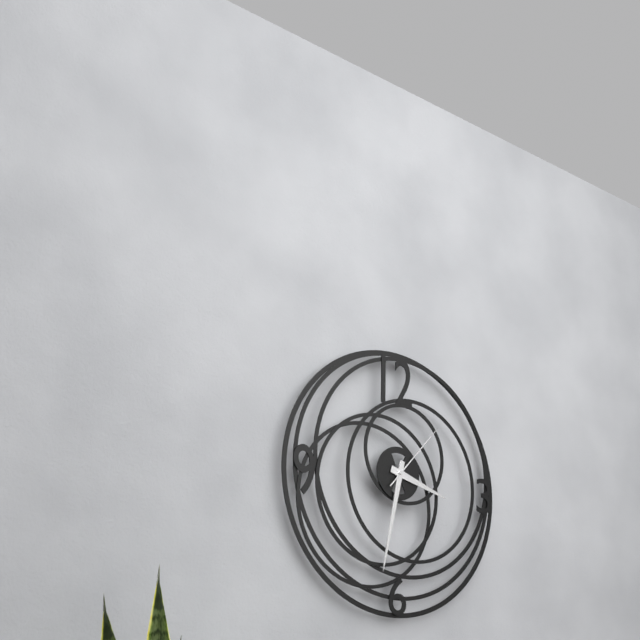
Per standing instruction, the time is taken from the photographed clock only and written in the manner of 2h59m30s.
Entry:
3h32m07s
